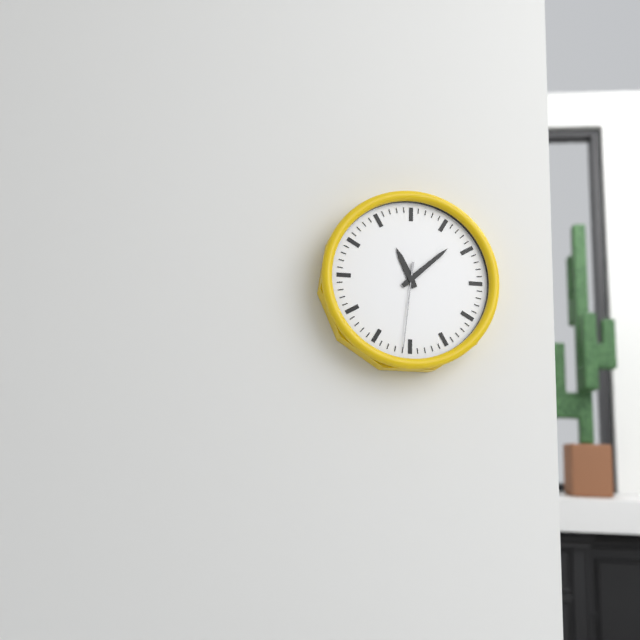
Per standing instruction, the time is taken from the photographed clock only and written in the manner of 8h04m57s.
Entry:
11h08m31s
